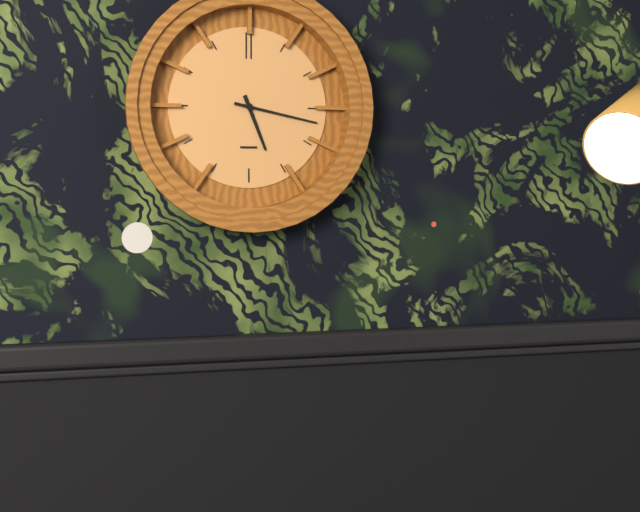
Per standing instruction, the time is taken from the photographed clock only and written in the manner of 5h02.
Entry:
5h17
